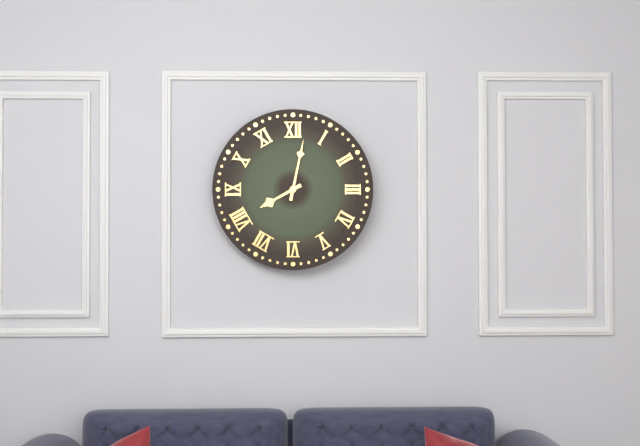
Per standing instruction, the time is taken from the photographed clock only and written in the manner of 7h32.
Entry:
8h02
